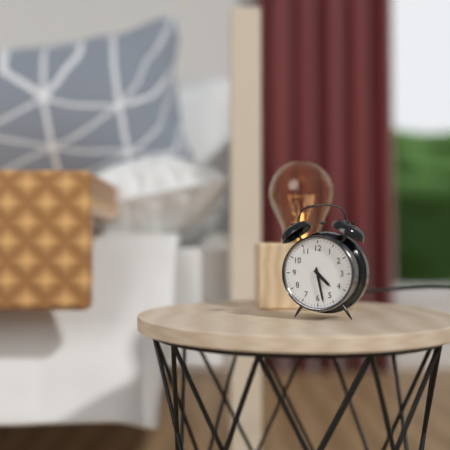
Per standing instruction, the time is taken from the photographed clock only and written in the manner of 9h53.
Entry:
4h28
